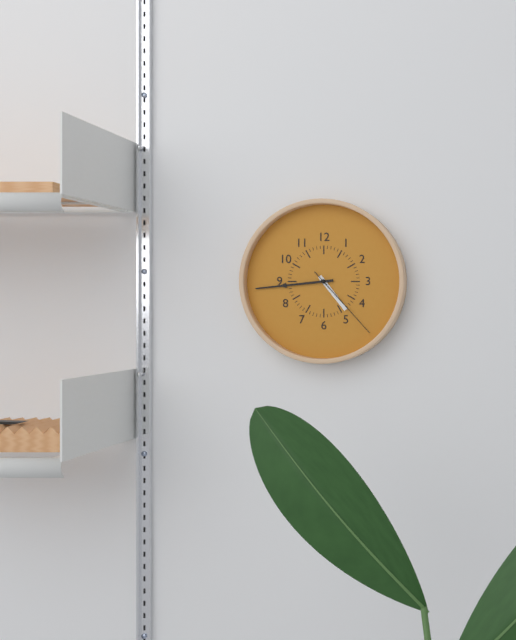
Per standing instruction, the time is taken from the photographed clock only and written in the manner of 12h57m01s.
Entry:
4h44m23s
